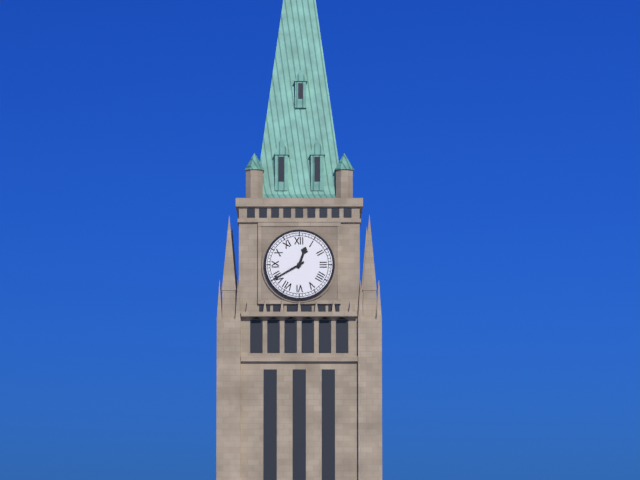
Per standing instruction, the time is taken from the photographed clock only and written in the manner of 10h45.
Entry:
12h40
